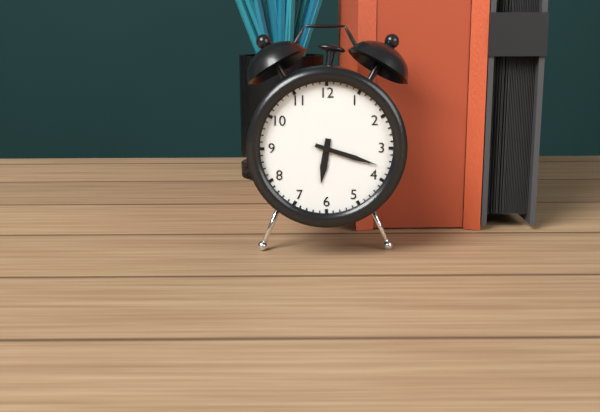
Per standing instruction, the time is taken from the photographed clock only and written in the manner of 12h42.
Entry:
6h18
